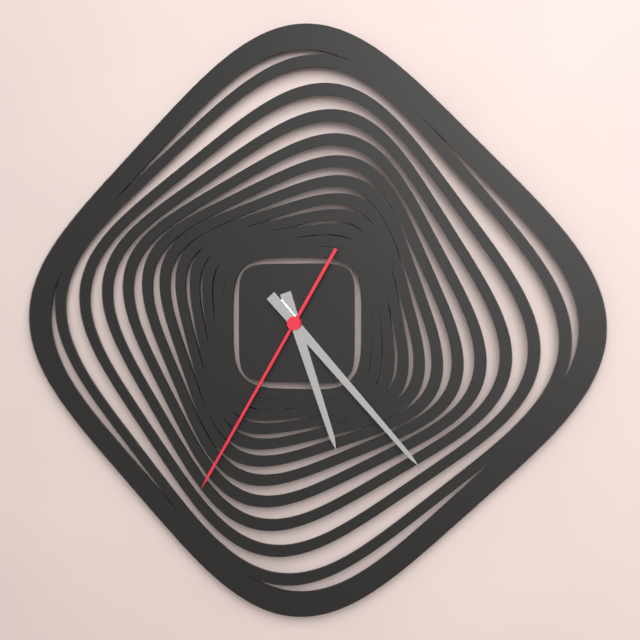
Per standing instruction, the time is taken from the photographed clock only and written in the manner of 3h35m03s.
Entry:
5h23m35s
